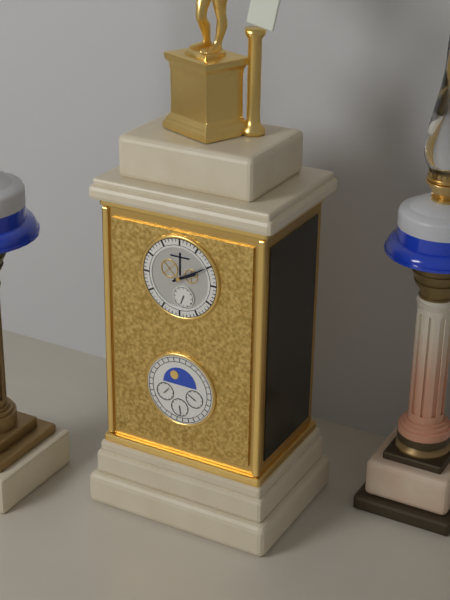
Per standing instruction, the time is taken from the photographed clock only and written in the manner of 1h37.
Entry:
2h10
